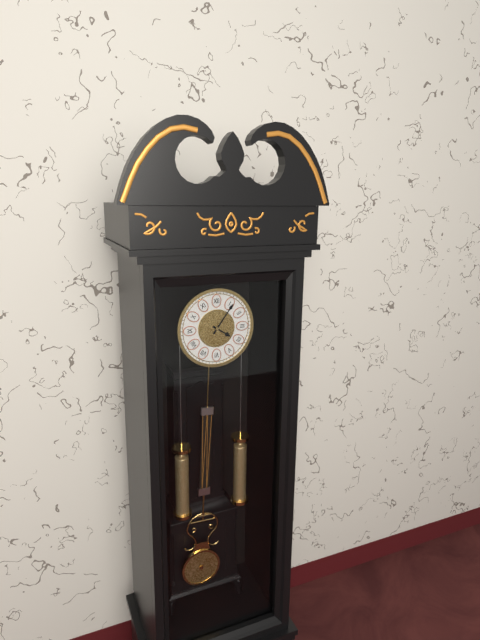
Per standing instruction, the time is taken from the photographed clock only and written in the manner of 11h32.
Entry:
4h06
